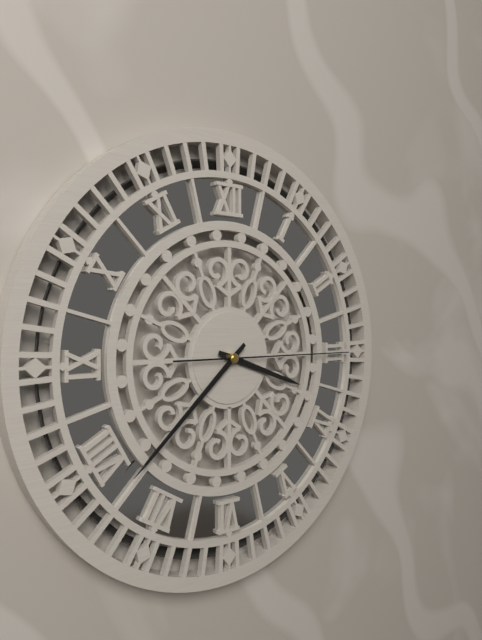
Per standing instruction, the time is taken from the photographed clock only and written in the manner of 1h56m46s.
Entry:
3h38m15s
